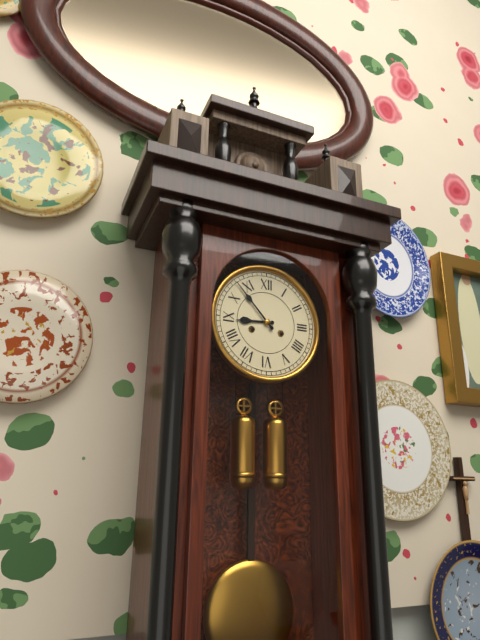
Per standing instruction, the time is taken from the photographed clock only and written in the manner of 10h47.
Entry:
8h53
